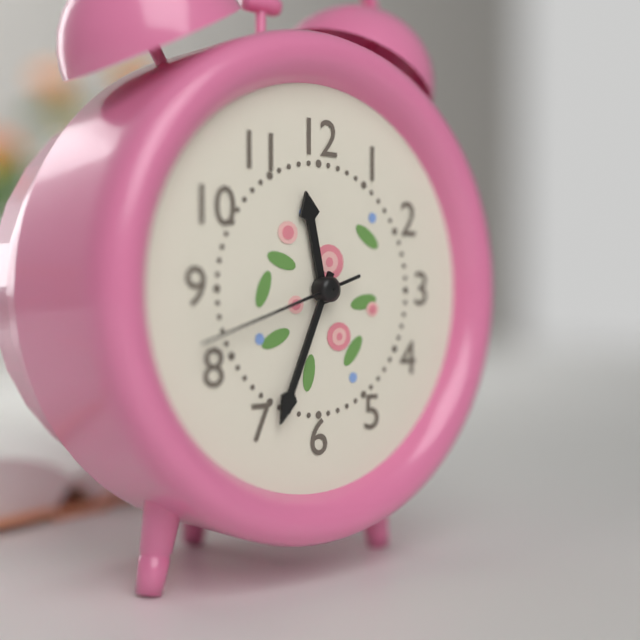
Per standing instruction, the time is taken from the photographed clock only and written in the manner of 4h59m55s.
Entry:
11h34m42s
